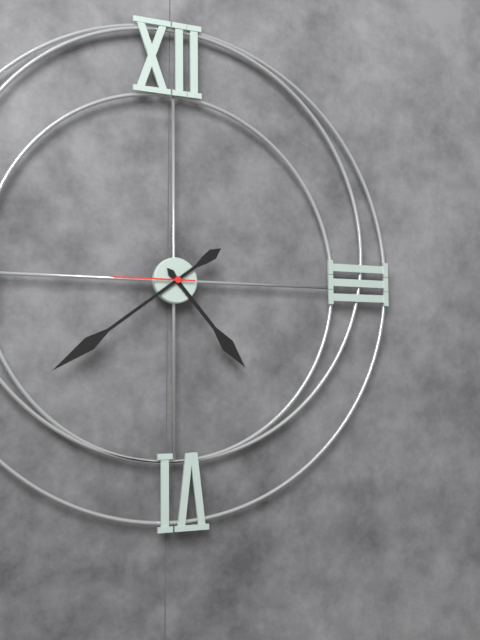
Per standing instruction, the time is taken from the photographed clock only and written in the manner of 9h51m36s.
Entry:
4h39m45s
